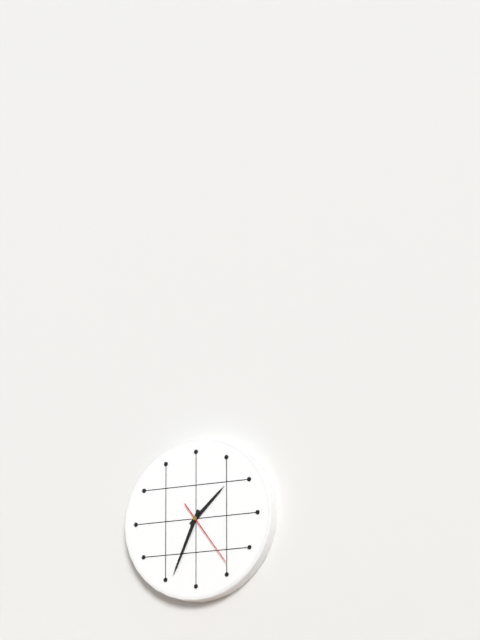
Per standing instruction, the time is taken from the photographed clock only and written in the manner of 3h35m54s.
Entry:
1h34m24s
